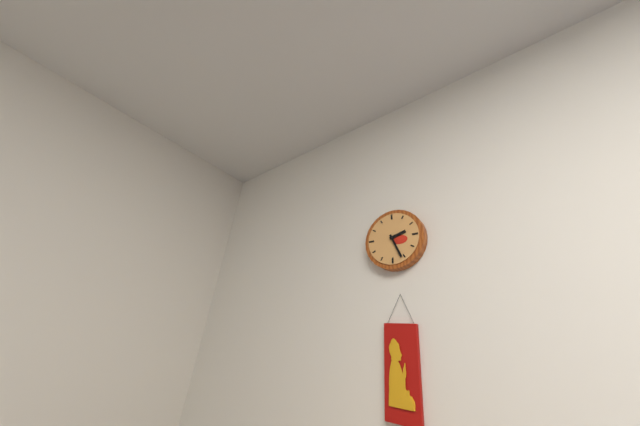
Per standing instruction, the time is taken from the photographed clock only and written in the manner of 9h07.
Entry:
2h26
